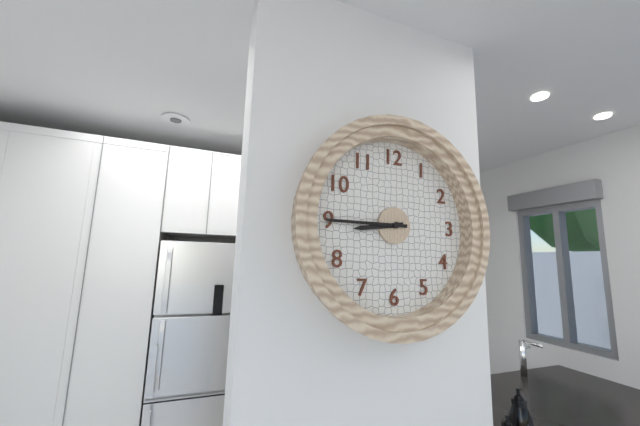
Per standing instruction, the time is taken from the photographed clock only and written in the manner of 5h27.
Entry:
8h45
